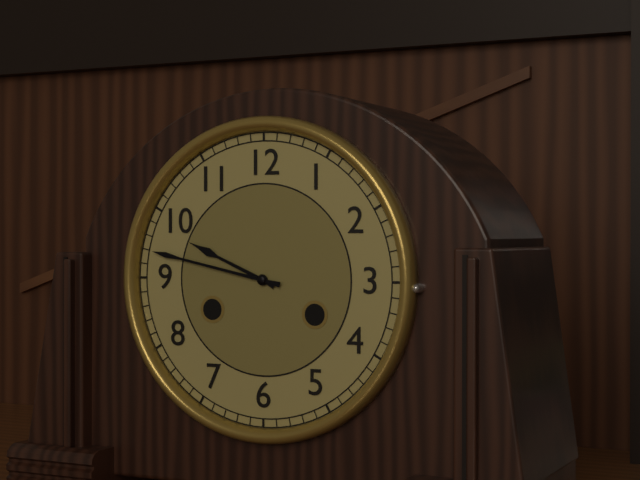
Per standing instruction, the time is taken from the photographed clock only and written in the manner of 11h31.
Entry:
9h47
